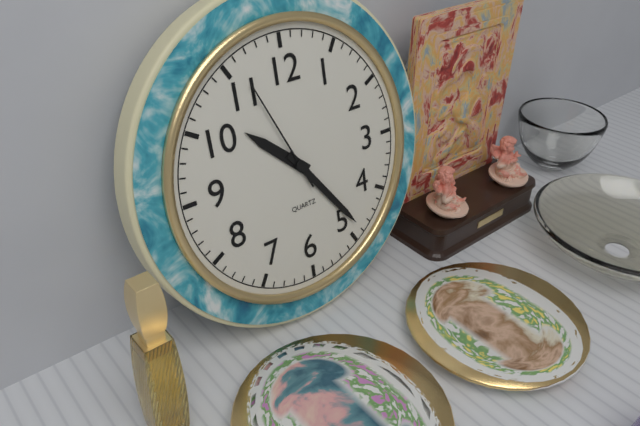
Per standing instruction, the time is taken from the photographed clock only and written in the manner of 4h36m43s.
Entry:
10h24m56s
